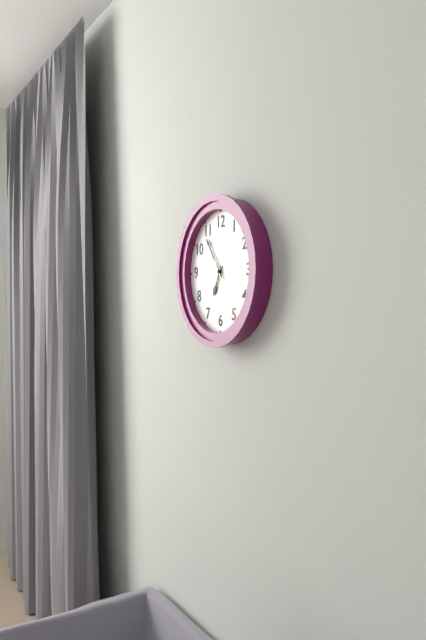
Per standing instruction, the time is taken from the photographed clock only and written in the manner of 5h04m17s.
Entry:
6h54m24s
